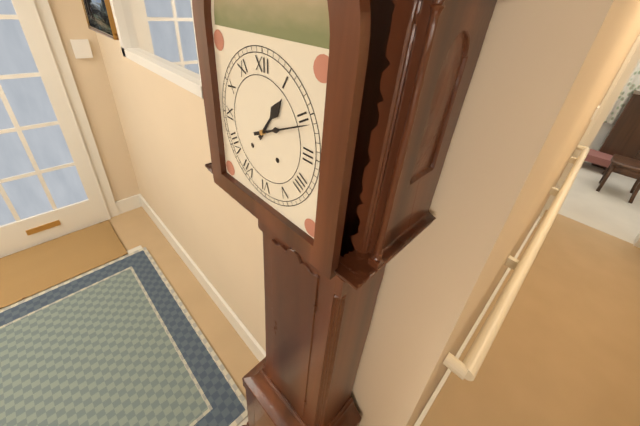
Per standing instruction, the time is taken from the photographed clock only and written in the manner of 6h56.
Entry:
1h11
